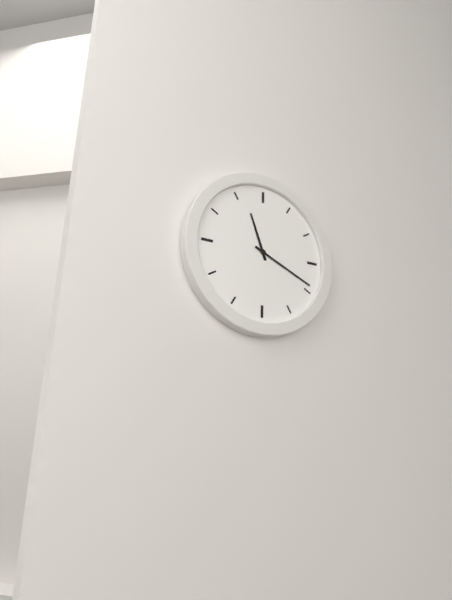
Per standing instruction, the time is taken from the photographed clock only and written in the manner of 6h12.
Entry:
11h19
